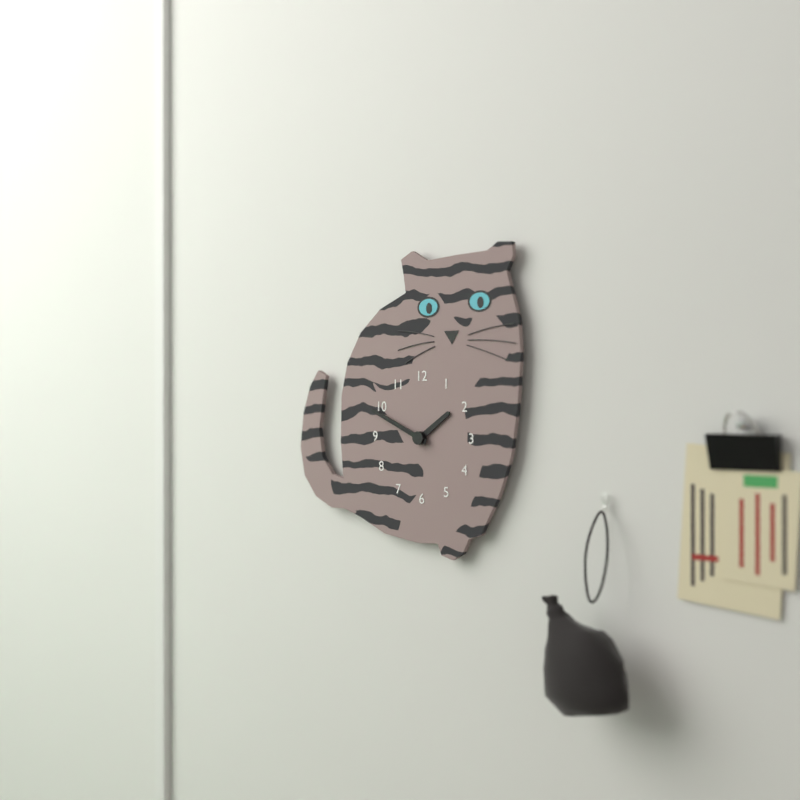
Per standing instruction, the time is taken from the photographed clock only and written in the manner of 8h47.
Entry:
1h49
